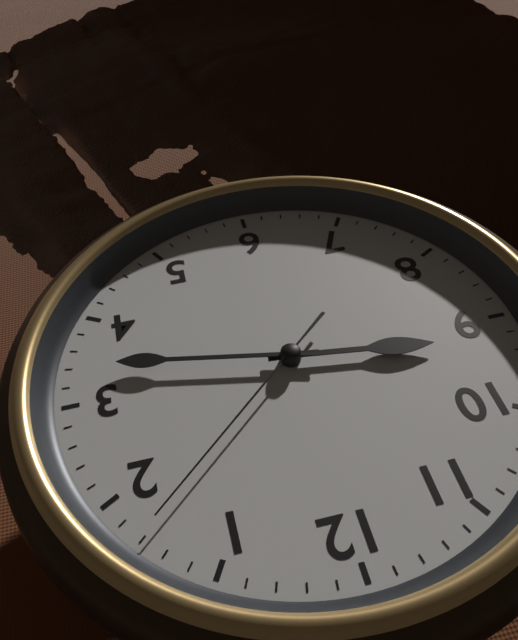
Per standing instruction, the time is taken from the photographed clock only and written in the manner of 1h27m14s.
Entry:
9h17m08s
